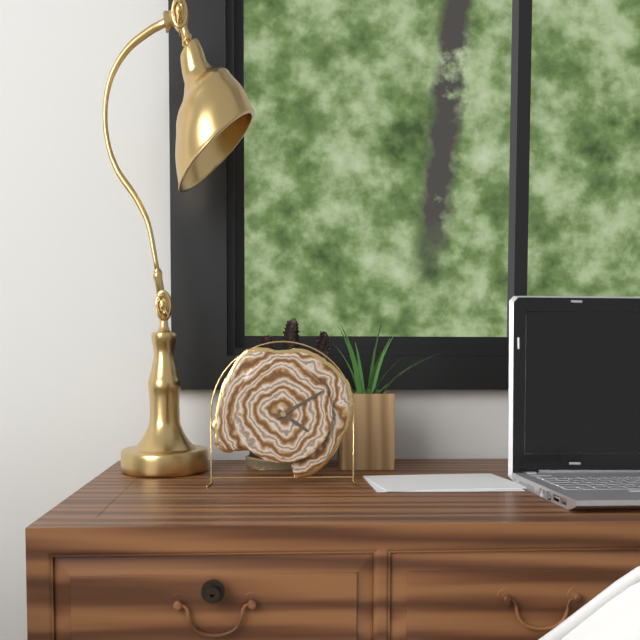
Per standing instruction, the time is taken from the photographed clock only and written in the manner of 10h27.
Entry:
4h10
